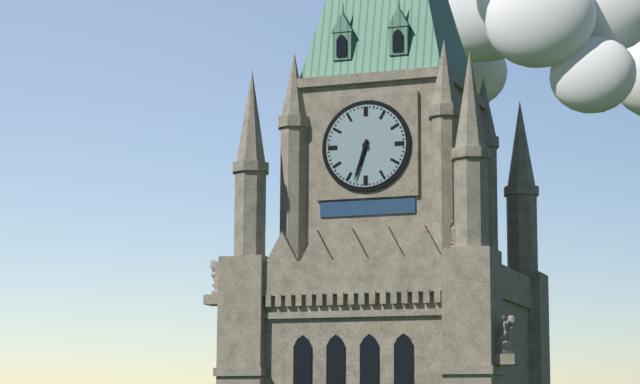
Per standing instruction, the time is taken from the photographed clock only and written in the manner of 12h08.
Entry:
6h33
